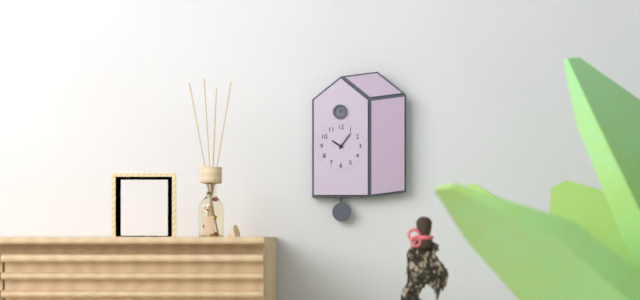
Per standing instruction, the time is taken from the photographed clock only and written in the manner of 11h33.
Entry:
10h06
